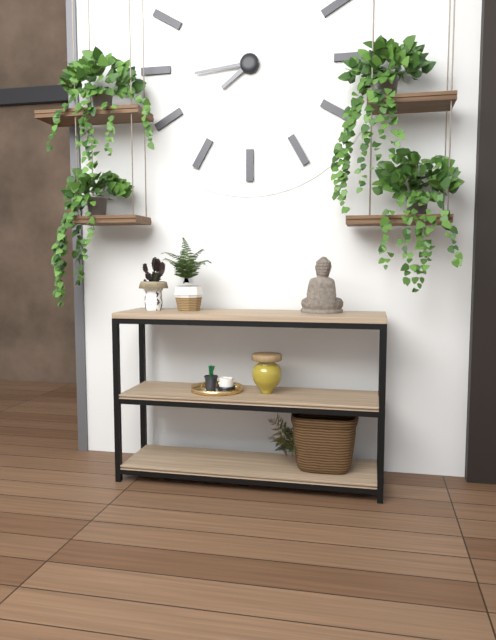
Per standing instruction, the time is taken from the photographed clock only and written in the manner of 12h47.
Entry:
7h44
